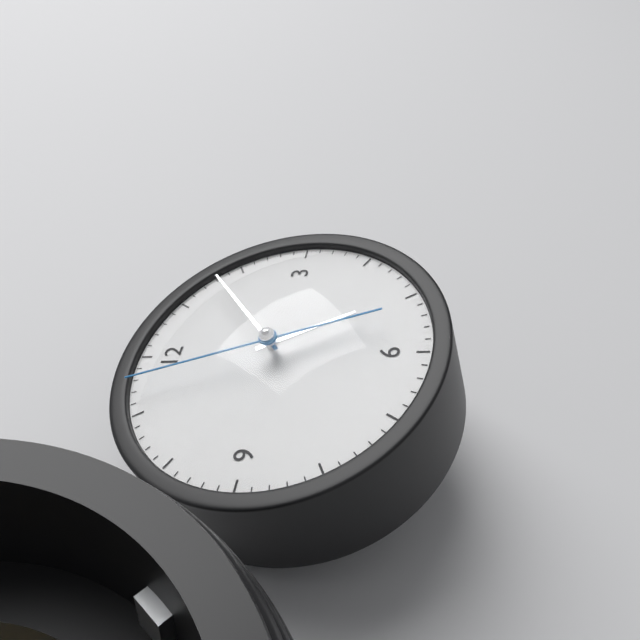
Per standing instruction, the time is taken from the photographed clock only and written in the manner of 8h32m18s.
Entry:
5h08m57s
